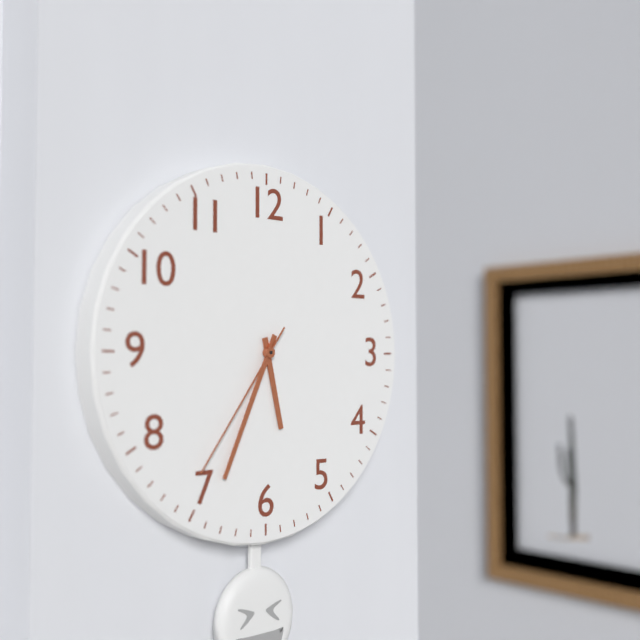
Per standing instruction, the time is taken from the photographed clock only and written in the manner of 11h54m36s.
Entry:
5h34m36s
